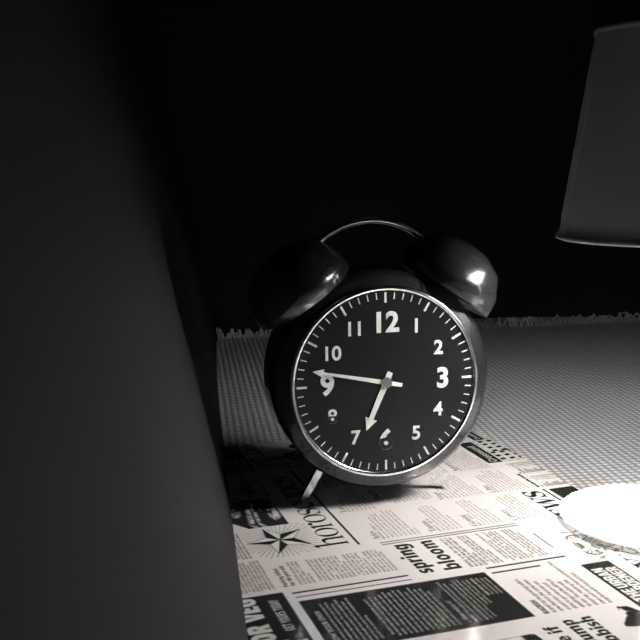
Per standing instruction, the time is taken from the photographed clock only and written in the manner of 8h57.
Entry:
6h47
